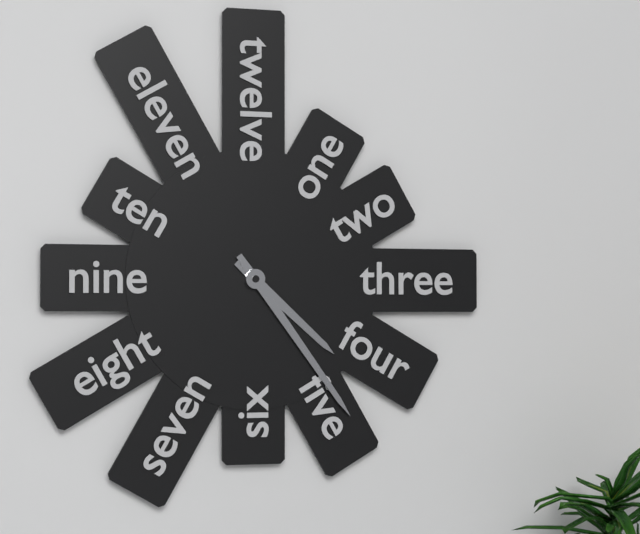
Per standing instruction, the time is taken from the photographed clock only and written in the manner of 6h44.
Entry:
4h24
